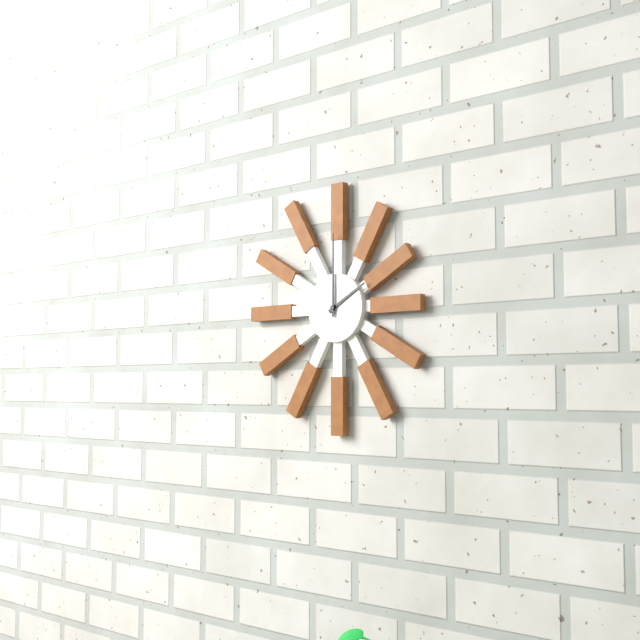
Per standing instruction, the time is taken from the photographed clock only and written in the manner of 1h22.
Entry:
2h00
